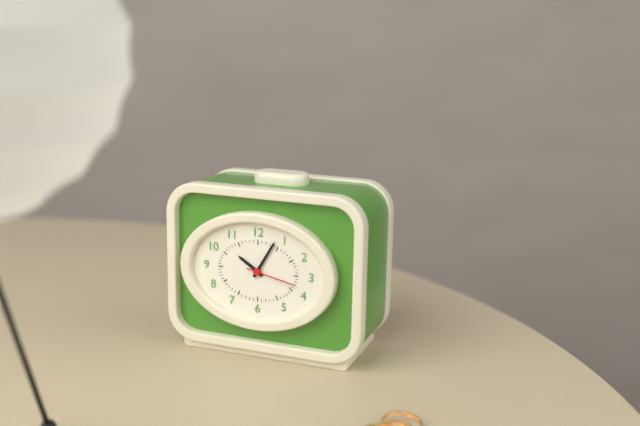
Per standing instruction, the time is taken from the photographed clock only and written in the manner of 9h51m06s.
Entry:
10h05m17s
